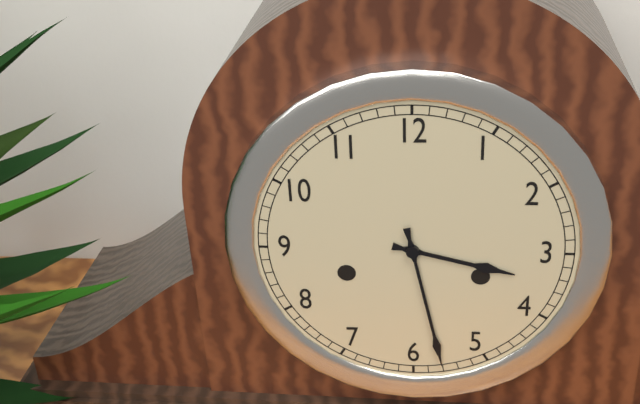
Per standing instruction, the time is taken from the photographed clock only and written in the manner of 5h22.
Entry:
3h28
